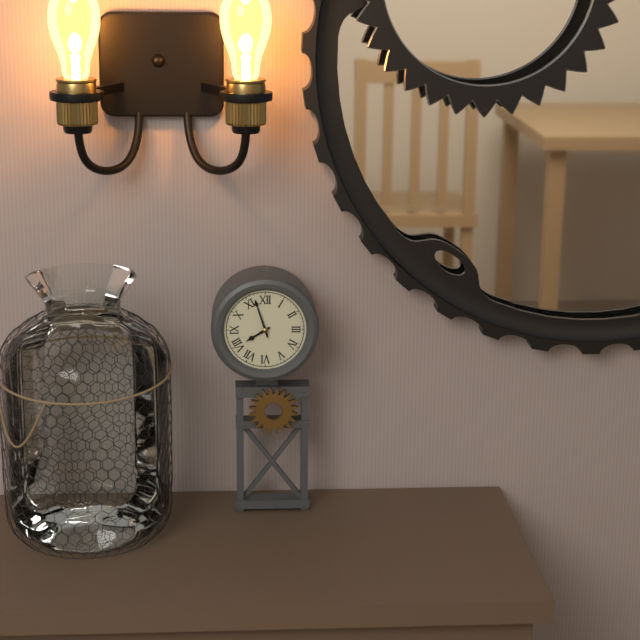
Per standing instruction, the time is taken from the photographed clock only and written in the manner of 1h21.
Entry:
7h57
